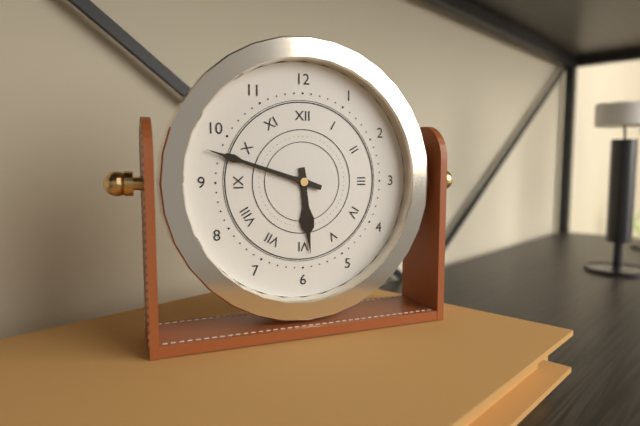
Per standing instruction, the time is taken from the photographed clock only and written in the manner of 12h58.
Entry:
5h48
